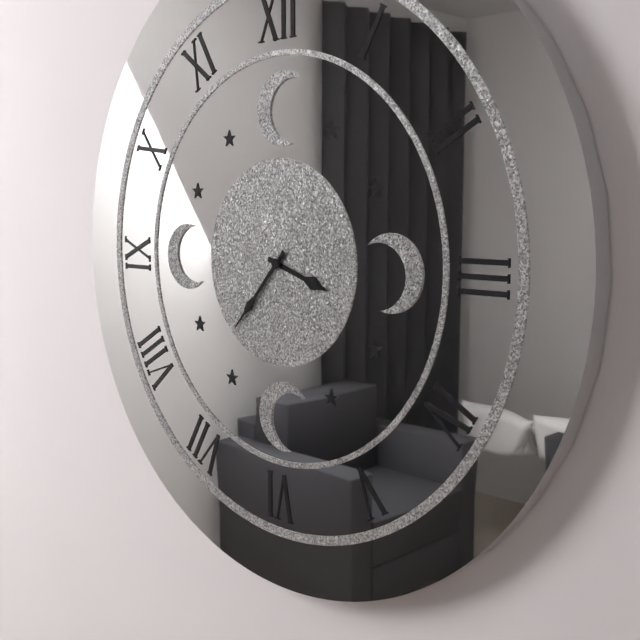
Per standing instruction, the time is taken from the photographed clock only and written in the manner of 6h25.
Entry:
3h37
